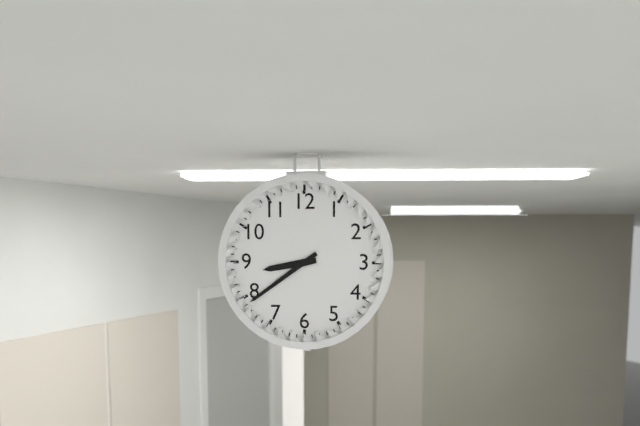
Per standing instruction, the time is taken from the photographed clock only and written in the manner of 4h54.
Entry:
8h39
